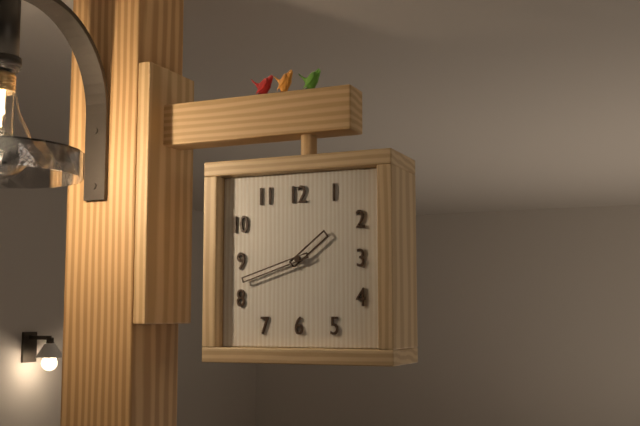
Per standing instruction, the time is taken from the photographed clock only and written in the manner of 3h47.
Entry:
1h42
